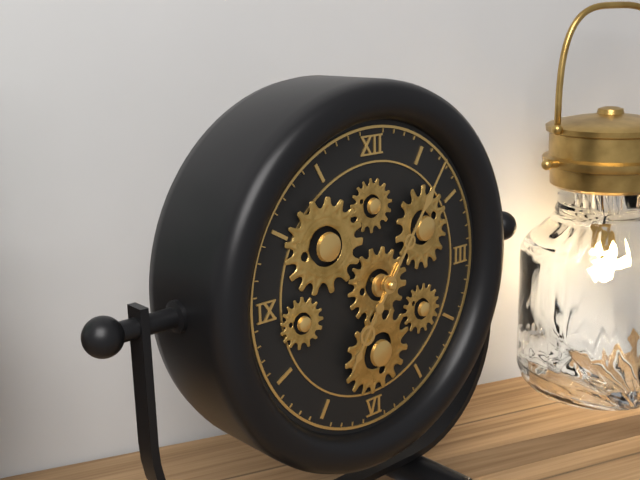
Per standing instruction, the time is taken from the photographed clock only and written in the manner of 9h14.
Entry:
7h06
